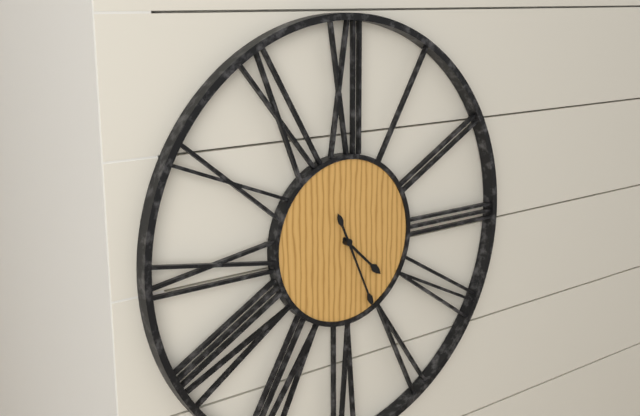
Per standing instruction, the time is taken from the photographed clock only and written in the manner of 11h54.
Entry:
4h26
